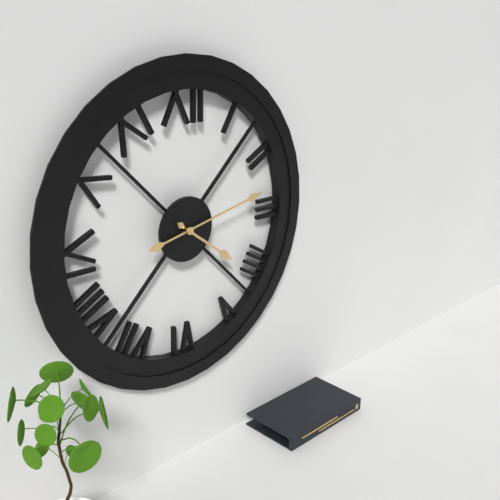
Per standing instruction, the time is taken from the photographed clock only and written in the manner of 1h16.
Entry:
4h13
